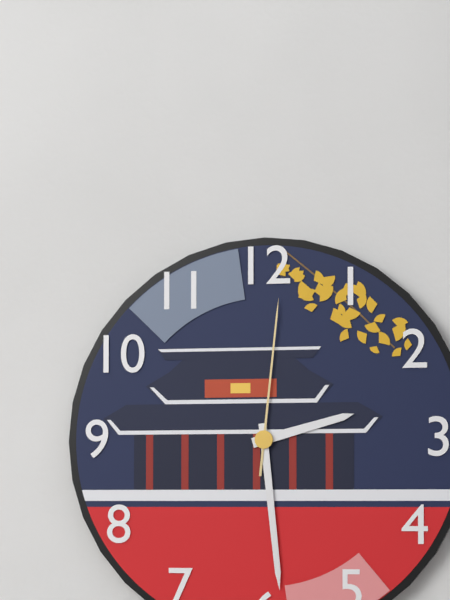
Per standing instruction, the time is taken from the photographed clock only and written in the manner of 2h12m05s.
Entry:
2h29m01s
